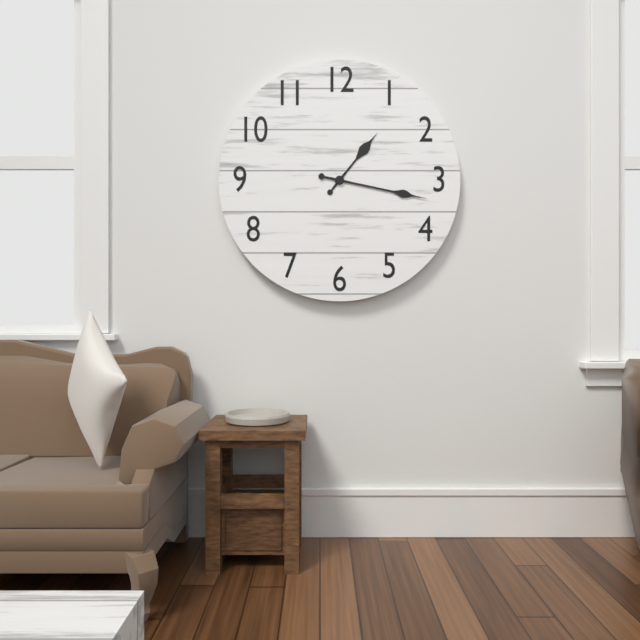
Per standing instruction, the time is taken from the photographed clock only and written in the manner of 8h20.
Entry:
1h17
